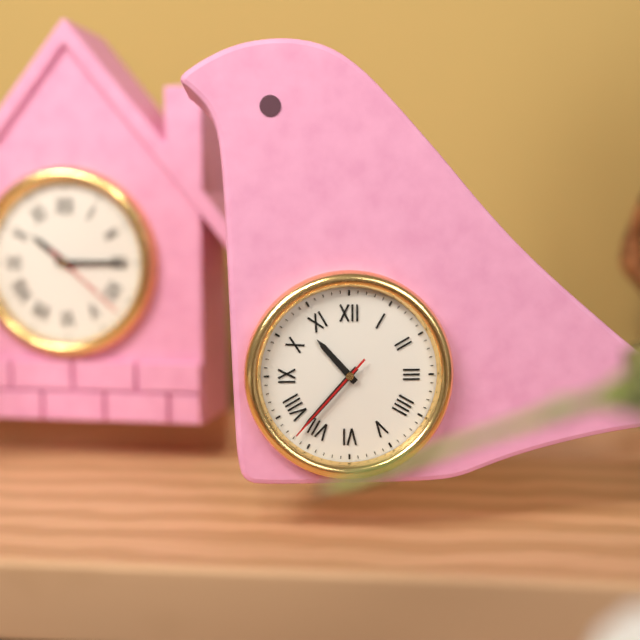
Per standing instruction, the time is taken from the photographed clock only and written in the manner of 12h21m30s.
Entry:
10h37m37s
